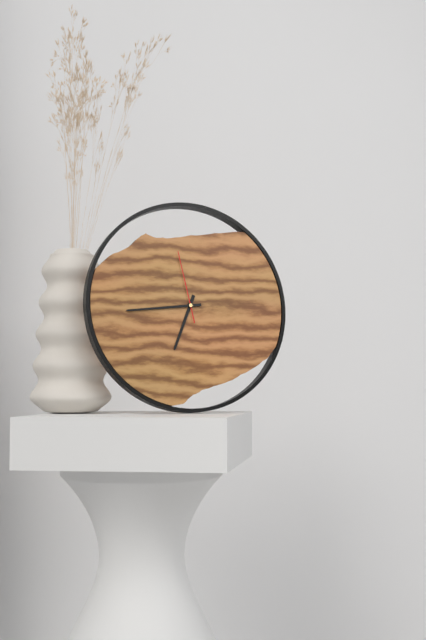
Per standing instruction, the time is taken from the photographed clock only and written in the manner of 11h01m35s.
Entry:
6h44m58s
